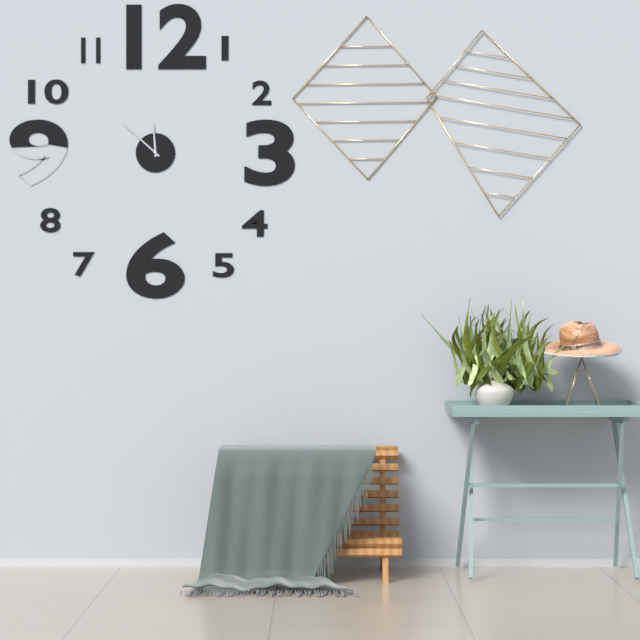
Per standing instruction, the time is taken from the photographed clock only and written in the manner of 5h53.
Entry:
11h52
